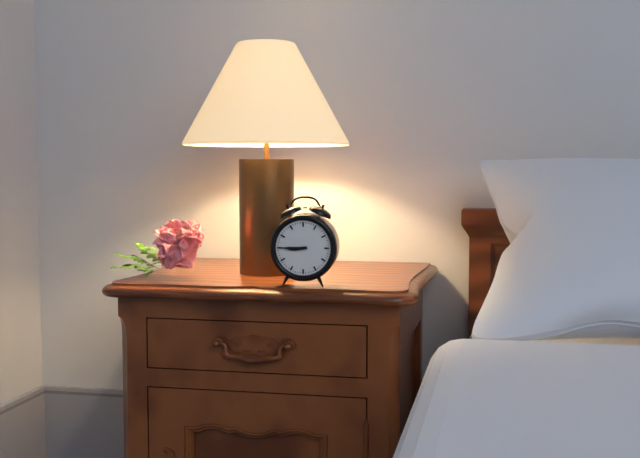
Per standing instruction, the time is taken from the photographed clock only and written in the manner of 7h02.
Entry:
8h45
